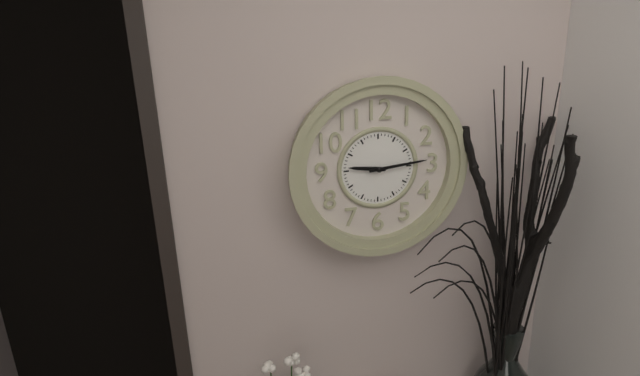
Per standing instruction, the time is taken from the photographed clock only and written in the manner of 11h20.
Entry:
9h14
